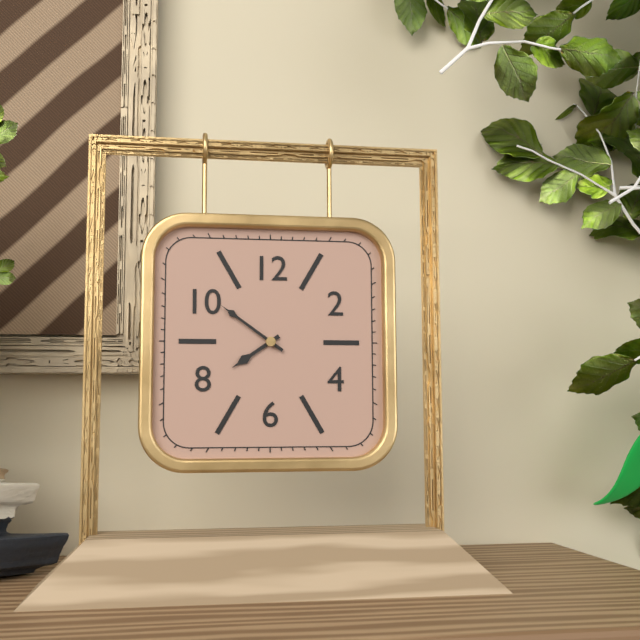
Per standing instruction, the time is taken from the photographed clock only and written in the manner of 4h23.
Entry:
7h51
